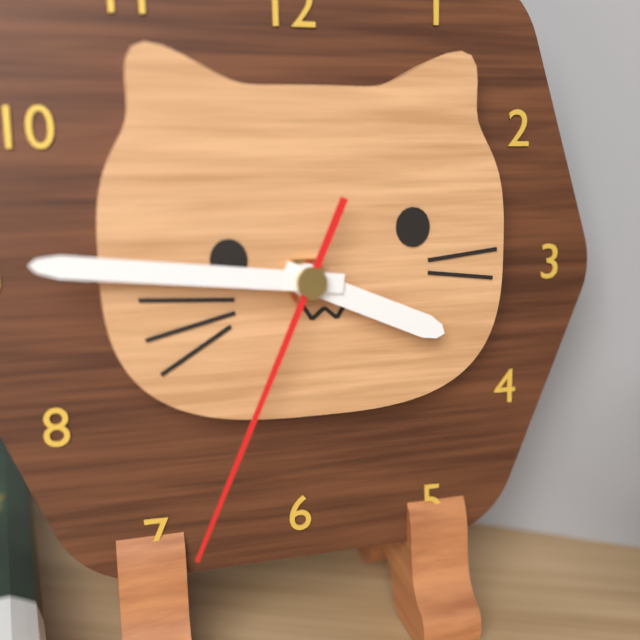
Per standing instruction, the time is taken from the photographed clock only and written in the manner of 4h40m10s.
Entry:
3h46m34s
